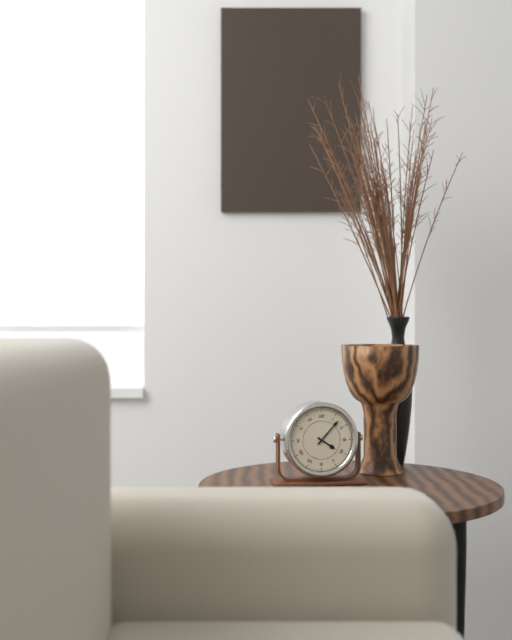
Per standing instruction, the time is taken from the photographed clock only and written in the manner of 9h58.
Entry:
4h07
